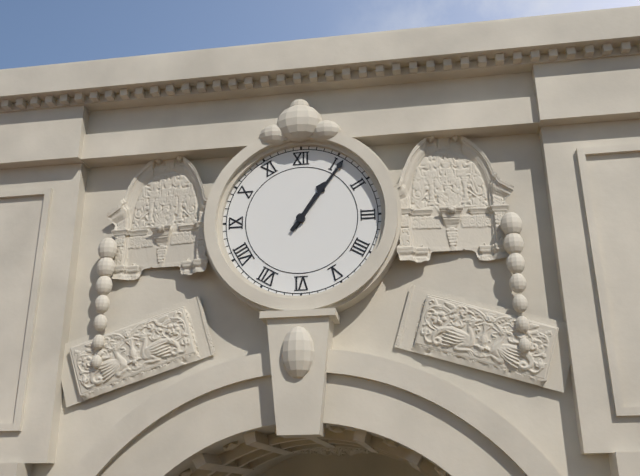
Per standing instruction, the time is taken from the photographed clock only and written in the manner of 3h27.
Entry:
1h06
